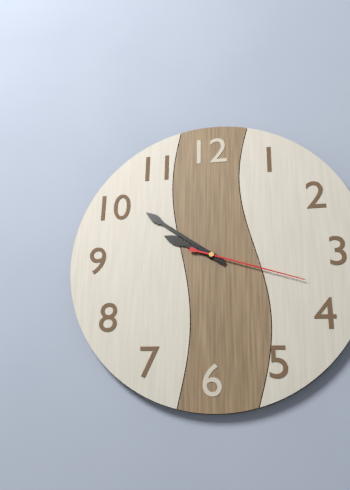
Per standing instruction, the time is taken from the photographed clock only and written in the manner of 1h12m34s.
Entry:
9h51m18s
